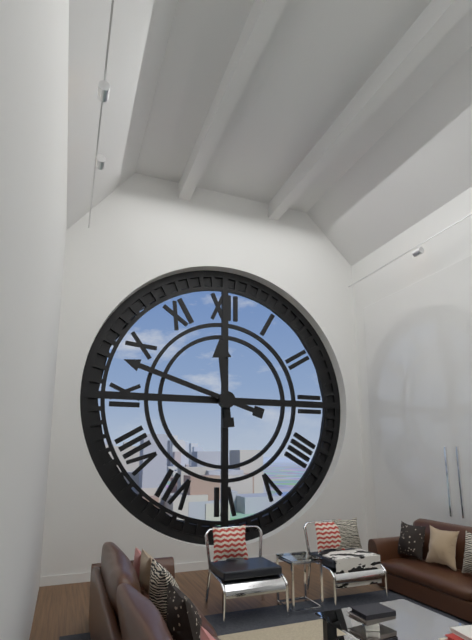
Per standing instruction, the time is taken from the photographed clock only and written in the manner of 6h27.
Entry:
11h48
